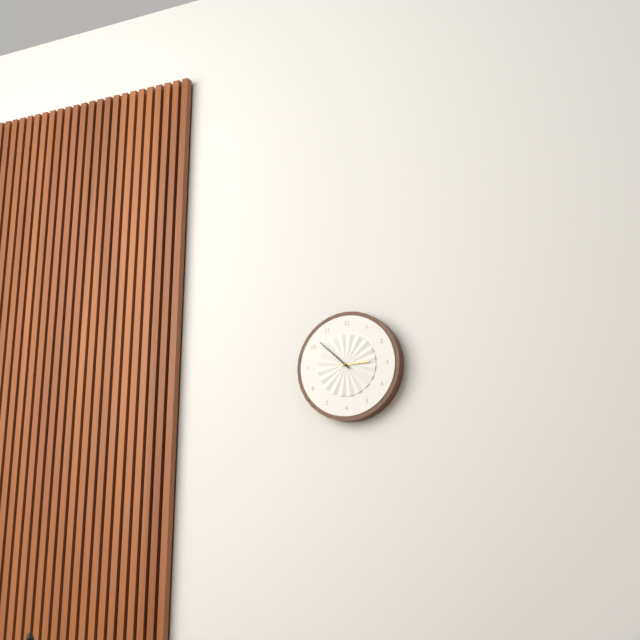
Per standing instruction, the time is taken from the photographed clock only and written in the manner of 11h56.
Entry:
2h52
